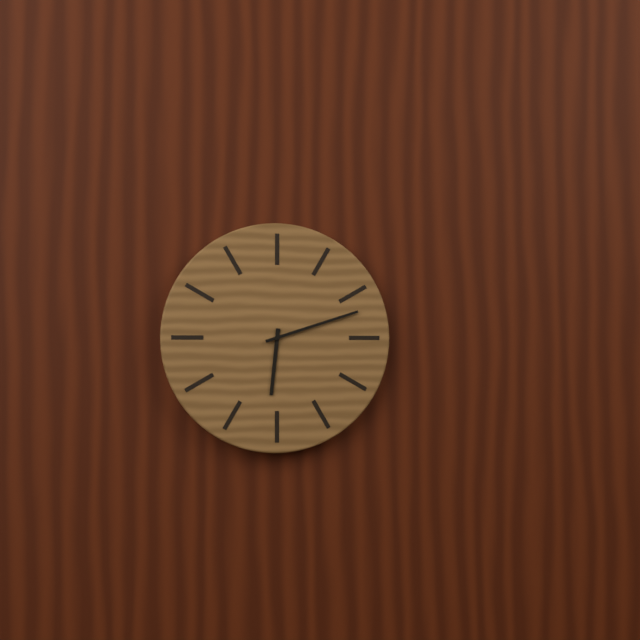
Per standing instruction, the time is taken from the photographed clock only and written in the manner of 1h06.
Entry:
6h12
